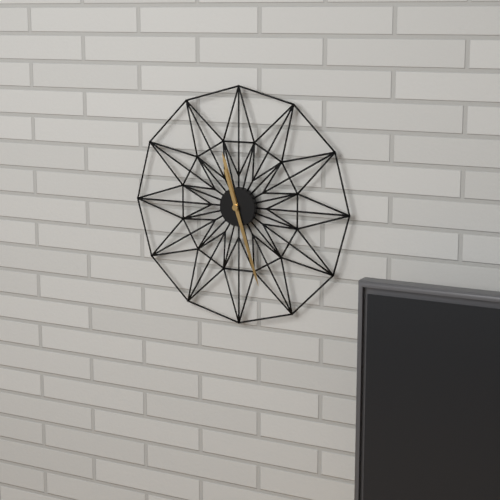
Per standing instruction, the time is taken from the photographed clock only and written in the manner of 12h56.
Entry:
11h27
